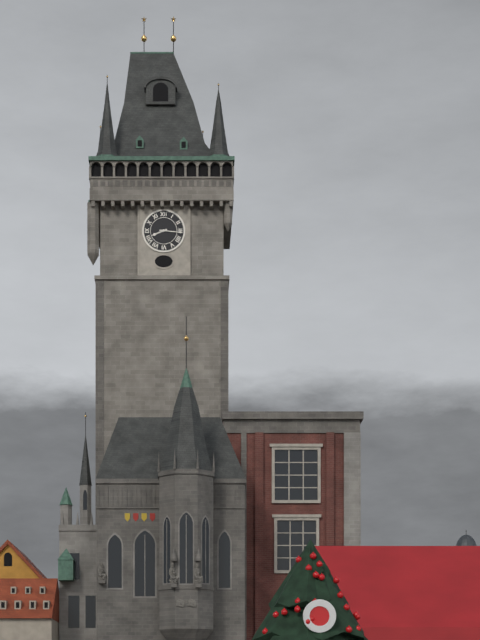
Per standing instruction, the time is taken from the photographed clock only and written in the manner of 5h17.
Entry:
8h16
